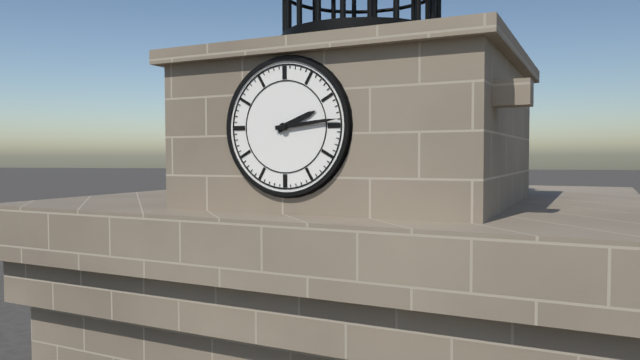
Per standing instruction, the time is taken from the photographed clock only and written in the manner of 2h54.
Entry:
2h14
